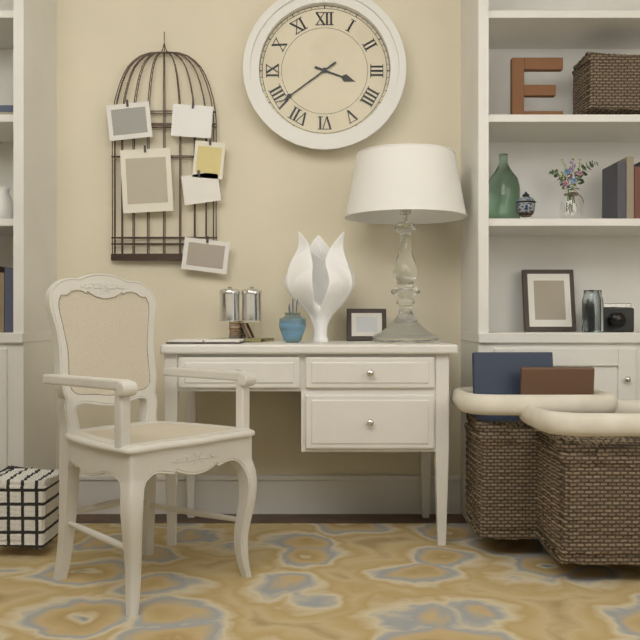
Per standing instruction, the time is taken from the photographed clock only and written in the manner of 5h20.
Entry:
3h39
